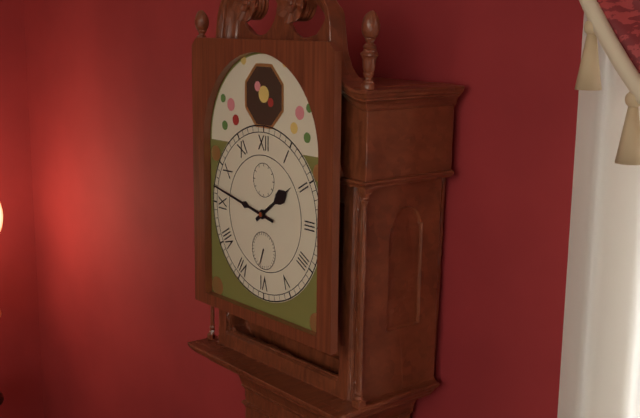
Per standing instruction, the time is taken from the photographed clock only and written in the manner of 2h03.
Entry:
1h47
